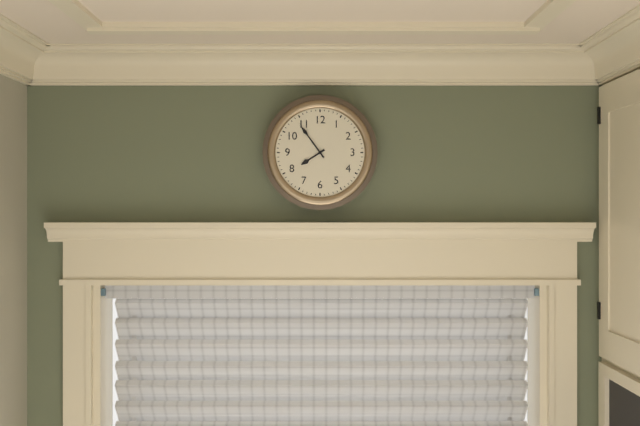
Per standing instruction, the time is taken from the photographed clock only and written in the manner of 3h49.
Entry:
7h54
